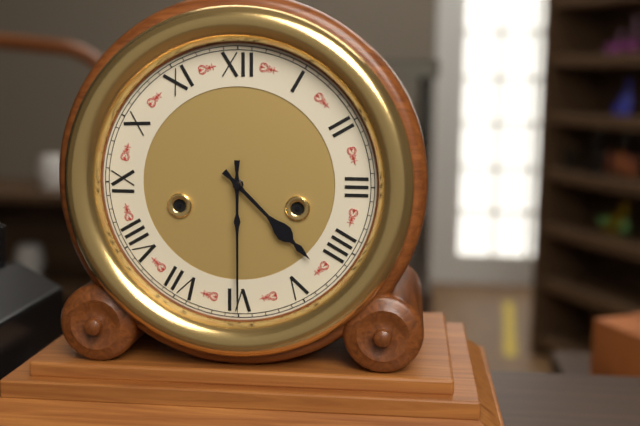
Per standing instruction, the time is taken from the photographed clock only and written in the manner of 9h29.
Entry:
4h30
